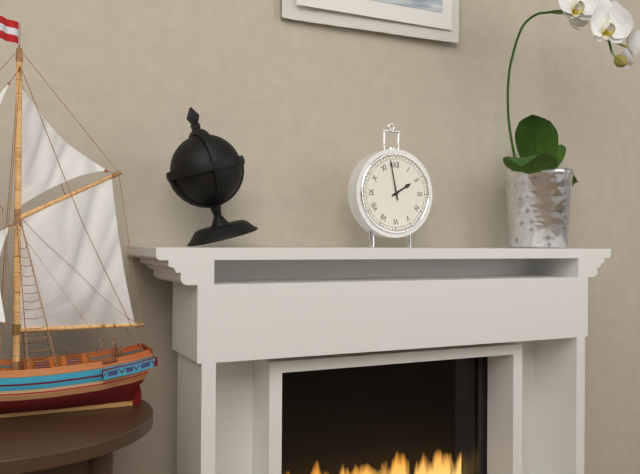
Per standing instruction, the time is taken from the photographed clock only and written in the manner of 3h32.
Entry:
1h58
